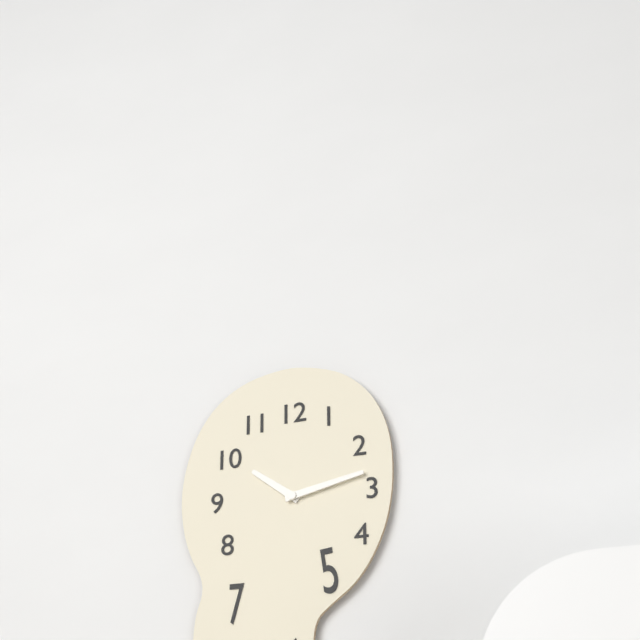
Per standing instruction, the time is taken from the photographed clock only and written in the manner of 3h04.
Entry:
10h13
